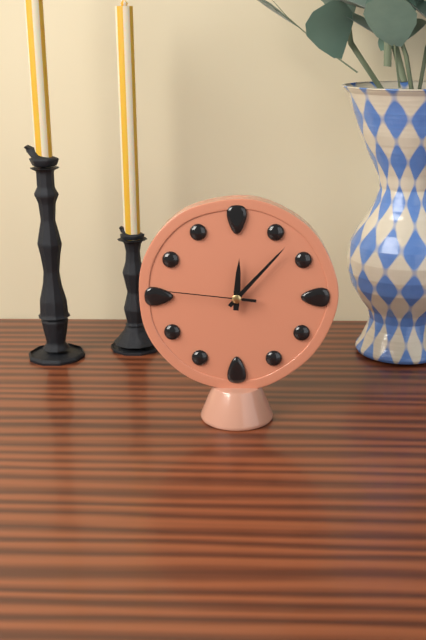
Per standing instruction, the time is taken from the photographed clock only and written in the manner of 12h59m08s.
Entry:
12h07m46s
